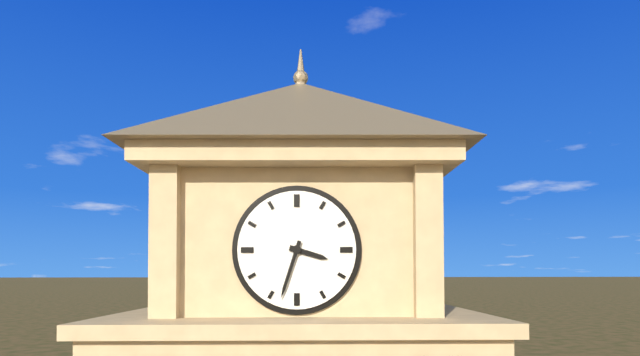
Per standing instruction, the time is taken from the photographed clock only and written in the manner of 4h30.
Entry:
3h33
